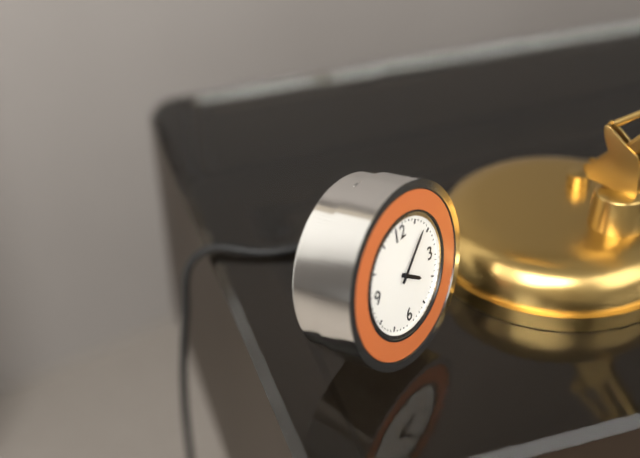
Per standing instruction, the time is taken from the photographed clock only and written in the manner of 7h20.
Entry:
4h08
